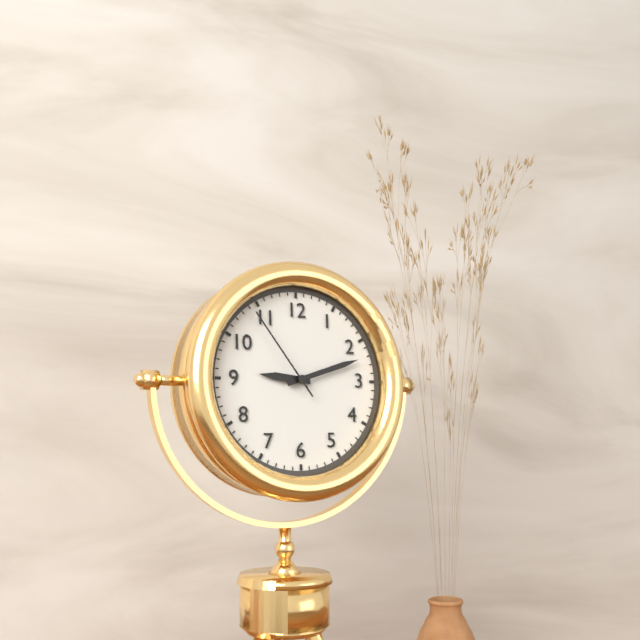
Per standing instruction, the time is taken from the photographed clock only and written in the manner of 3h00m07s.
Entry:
9h12m54s
